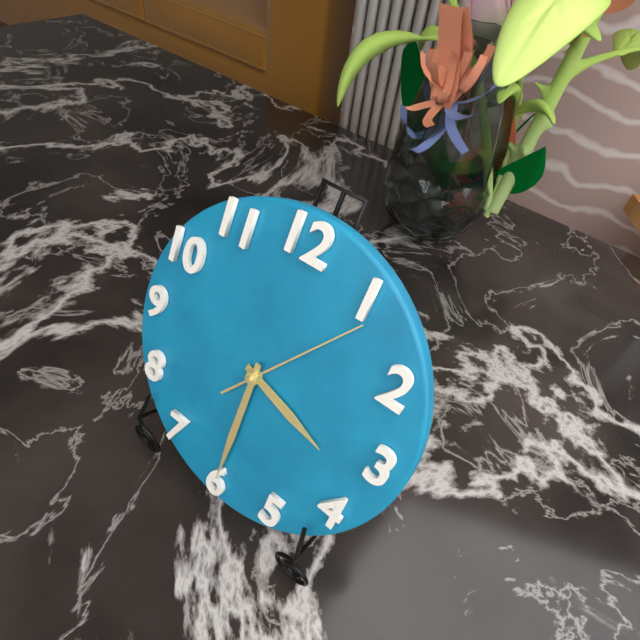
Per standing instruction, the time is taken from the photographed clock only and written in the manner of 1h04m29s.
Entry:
3h30m06s
